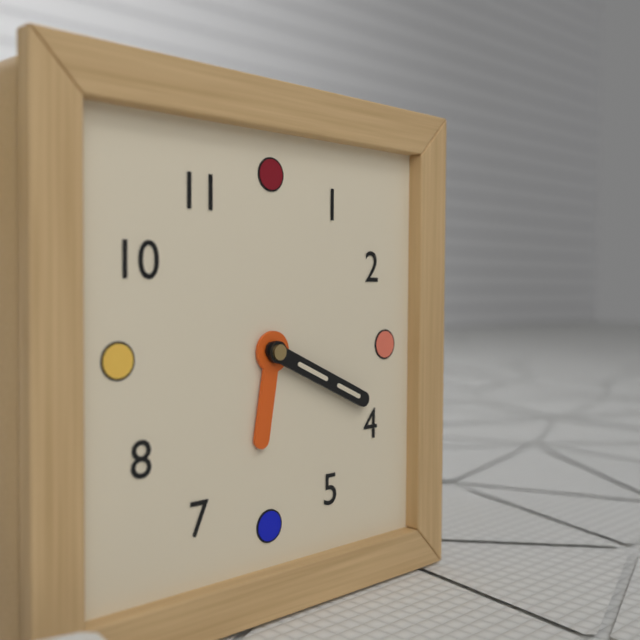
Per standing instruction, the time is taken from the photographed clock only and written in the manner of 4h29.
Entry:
6h19
